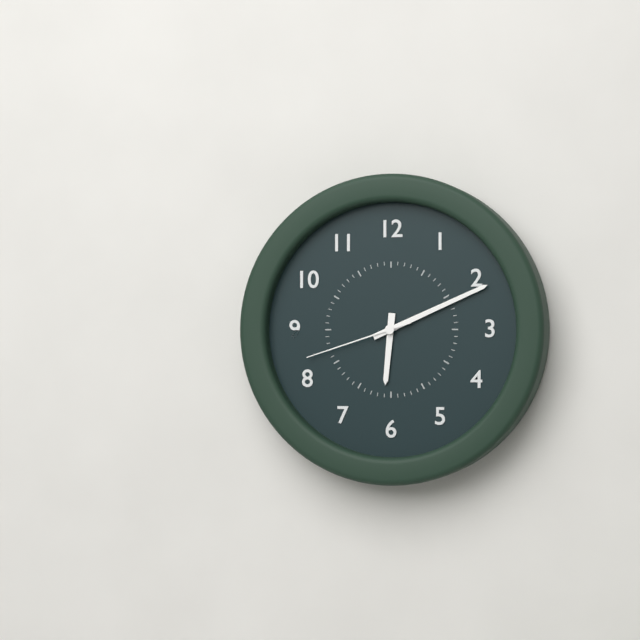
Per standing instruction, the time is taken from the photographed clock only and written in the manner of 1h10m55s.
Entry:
6h11m42s
